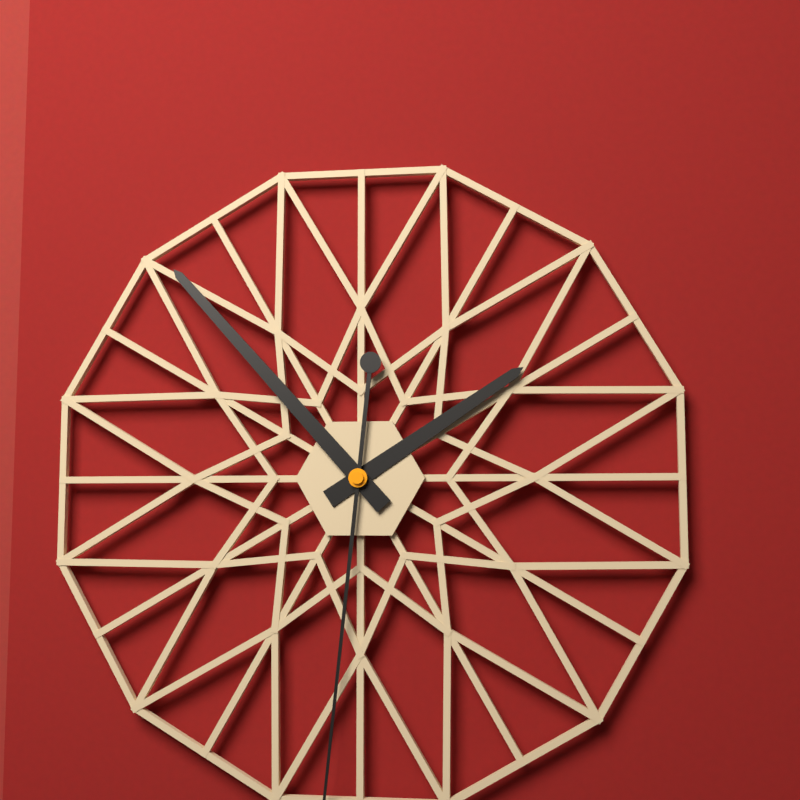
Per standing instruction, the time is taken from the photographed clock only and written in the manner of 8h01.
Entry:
1h53
